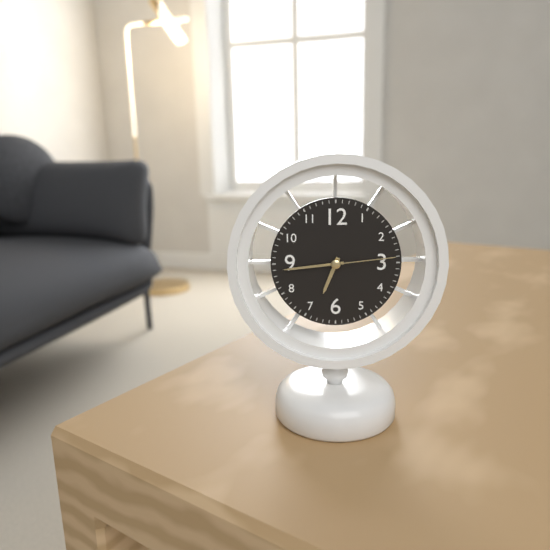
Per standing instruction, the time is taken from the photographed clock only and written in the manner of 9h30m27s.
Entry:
6h44m14s
